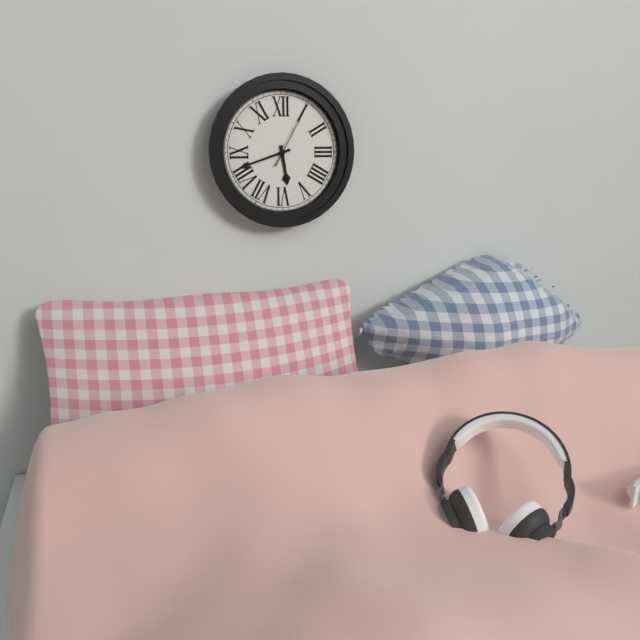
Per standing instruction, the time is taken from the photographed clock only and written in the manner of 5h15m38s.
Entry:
5h42m05s
